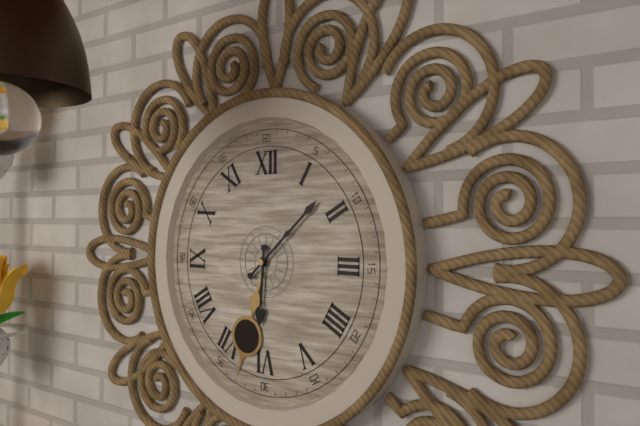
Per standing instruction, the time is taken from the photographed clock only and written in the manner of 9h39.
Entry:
6h08
